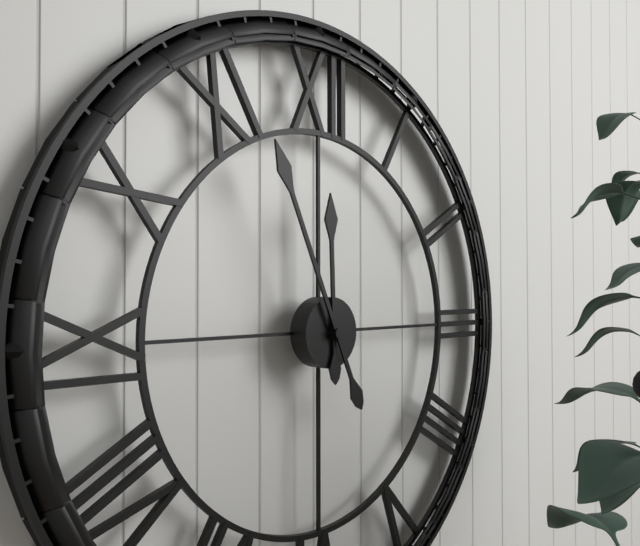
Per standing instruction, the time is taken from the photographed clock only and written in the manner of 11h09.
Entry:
11h56
